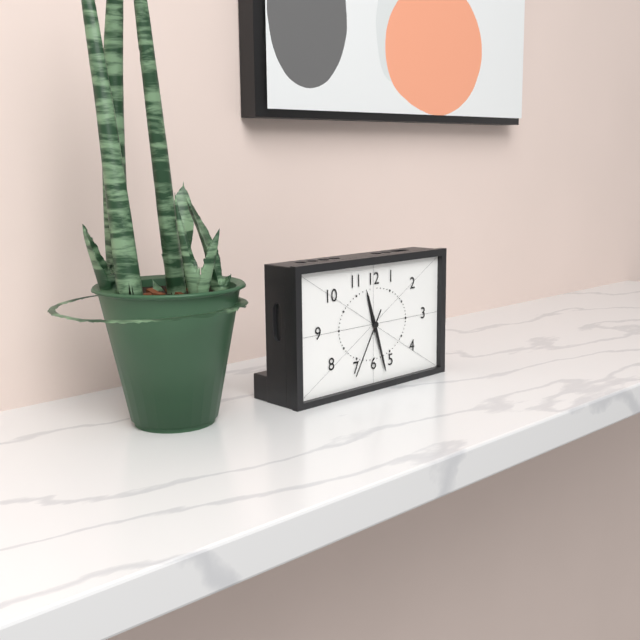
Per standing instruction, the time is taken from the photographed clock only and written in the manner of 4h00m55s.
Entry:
11h27m35s
